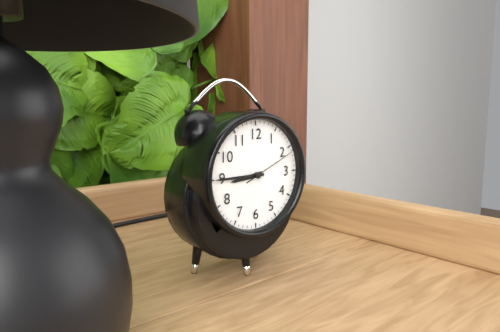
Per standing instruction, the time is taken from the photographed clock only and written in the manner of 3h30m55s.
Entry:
8h45m11s
